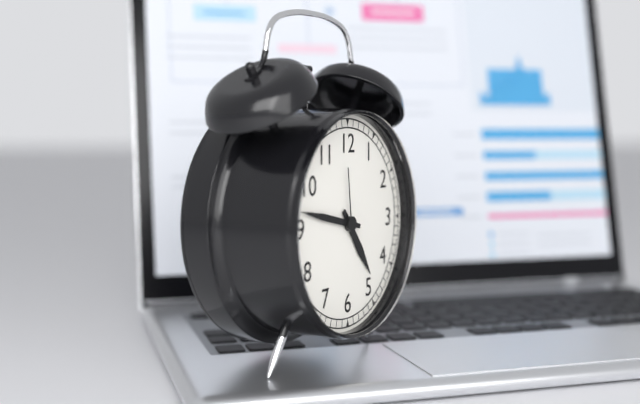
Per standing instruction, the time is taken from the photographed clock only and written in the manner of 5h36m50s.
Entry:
4h47m59s
